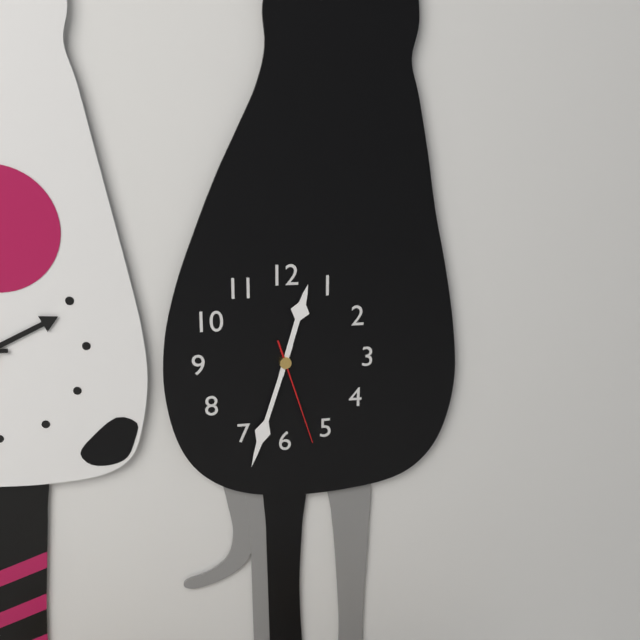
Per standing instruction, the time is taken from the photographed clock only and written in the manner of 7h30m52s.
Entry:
12h33m27s
